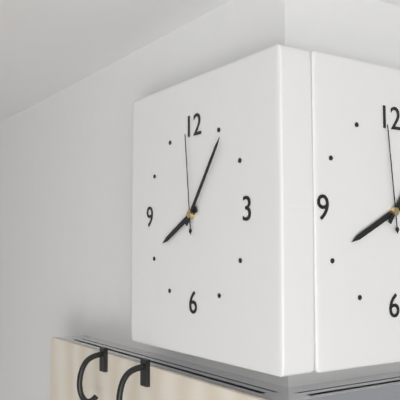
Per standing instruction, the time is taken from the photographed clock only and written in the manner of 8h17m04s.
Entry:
8h06m59s
